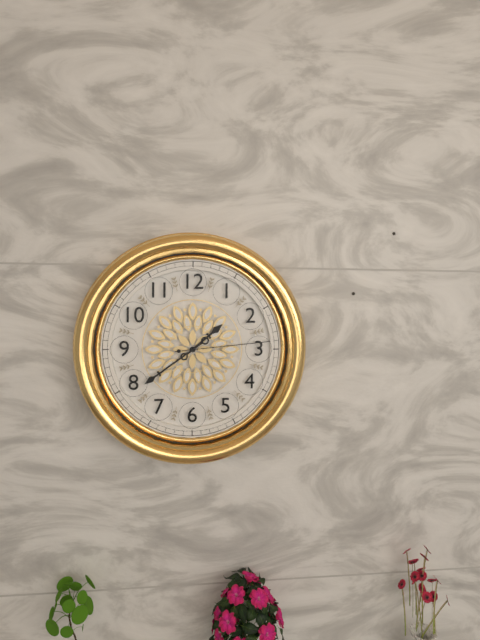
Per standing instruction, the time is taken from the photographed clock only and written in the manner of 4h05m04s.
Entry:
1h39m14s
